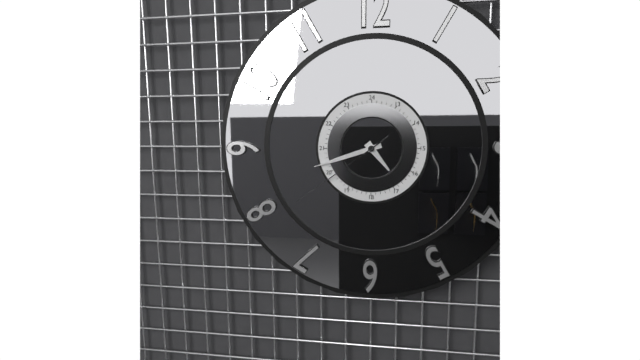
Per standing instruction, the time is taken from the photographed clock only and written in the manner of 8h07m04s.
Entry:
4h42m39s
